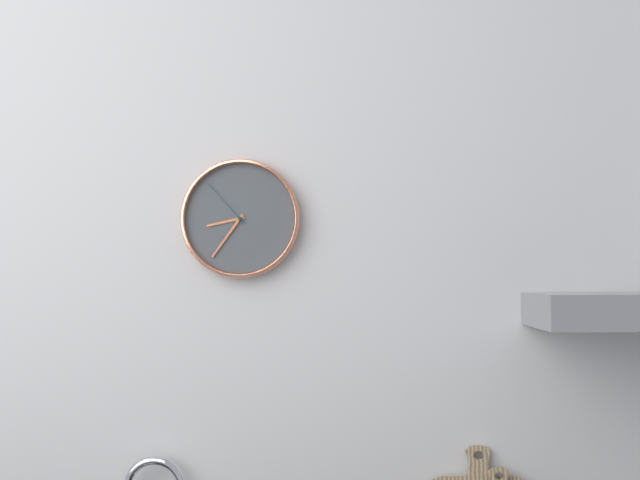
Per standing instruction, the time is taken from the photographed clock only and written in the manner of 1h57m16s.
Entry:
8h36m53s
